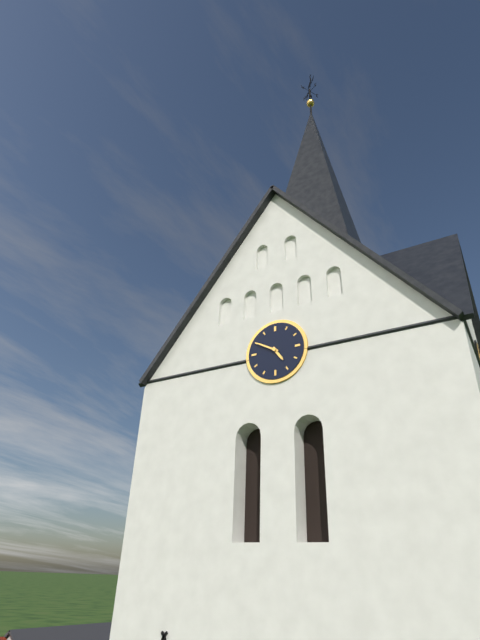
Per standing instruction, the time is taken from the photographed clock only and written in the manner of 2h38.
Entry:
4h50
